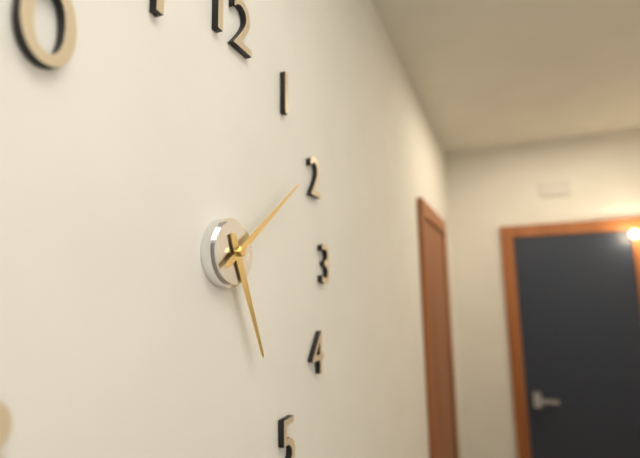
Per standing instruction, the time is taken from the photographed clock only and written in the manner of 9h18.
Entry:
5h09
